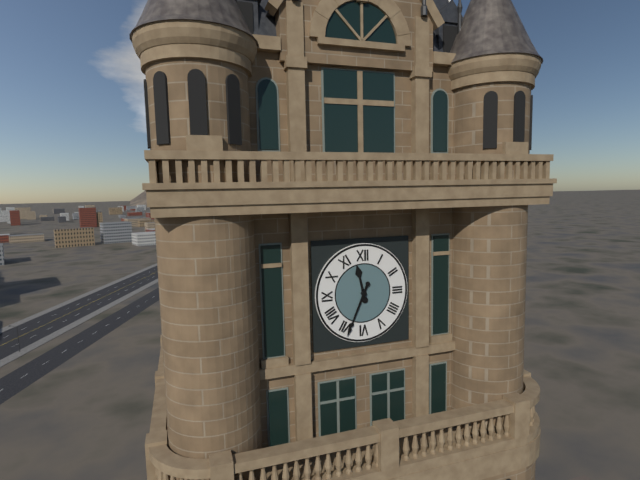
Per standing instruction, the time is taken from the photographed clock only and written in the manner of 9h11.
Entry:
11h34
